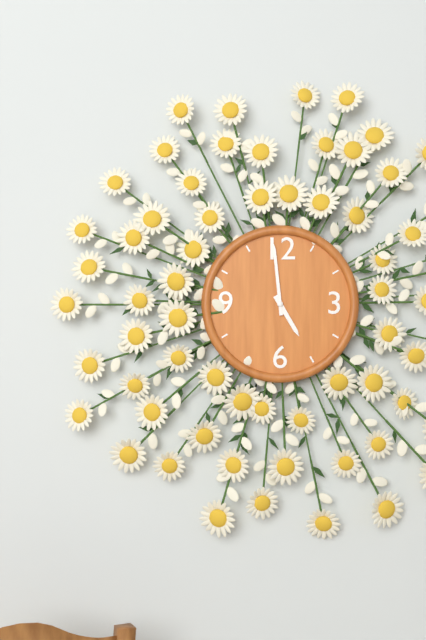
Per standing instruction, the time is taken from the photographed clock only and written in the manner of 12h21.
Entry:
4h59
